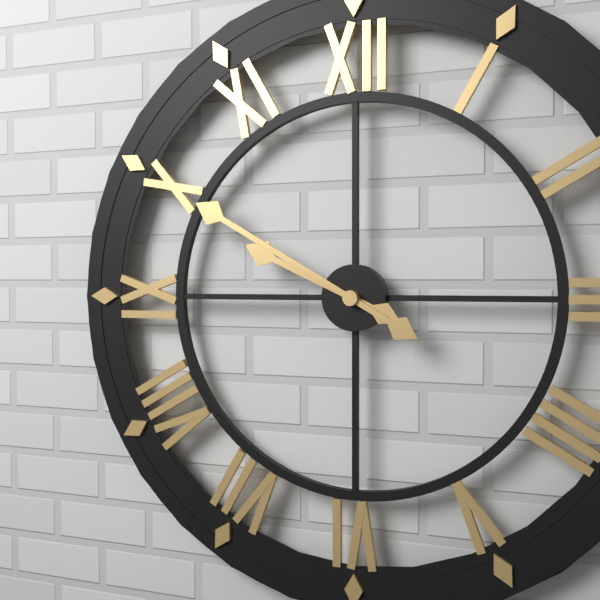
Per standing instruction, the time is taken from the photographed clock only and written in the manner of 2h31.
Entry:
9h50
